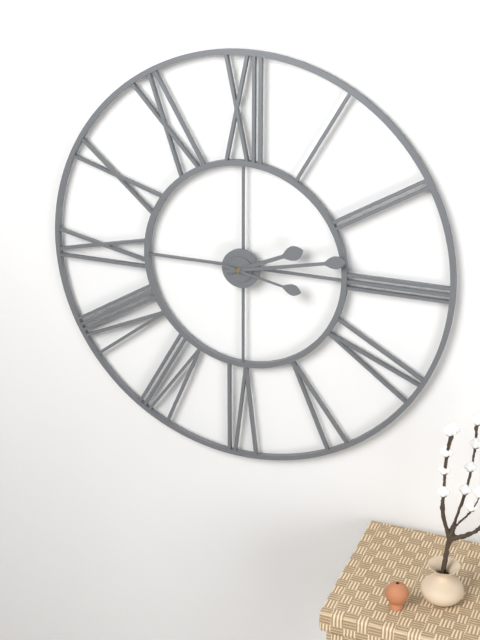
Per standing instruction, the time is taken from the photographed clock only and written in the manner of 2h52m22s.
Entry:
2h13m17s
